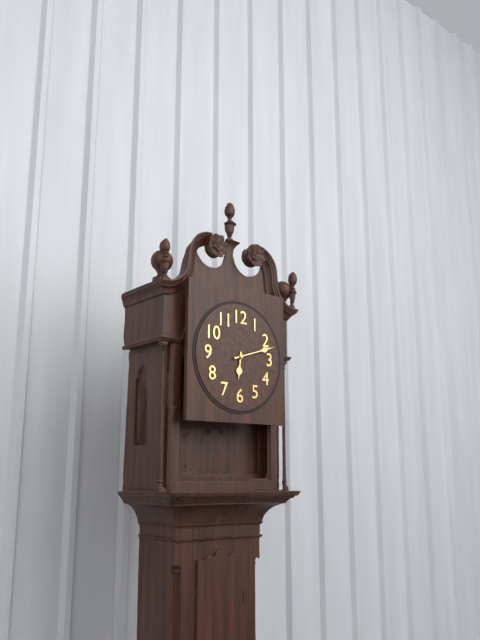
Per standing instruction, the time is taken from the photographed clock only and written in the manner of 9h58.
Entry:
6h12
